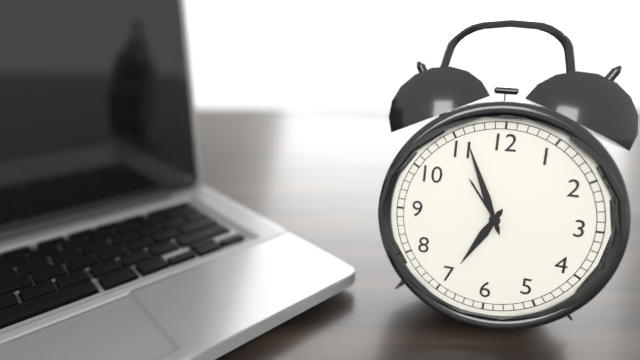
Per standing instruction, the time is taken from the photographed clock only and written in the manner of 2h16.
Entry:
6h56
